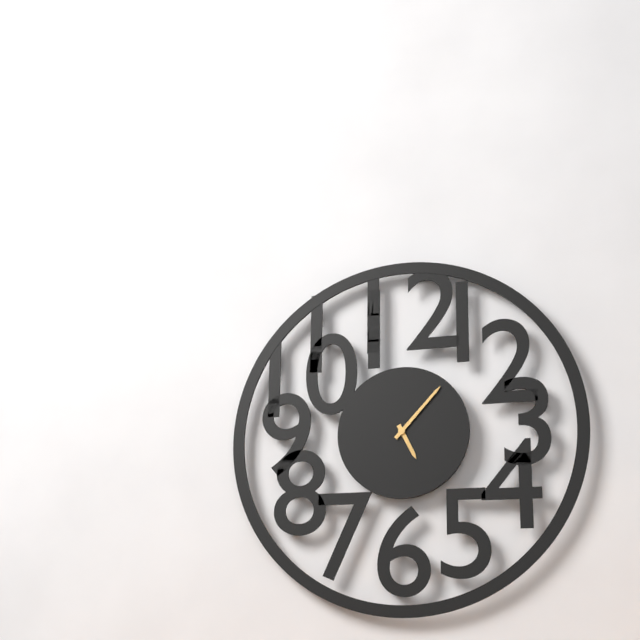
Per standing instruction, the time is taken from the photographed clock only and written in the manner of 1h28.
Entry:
5h07
